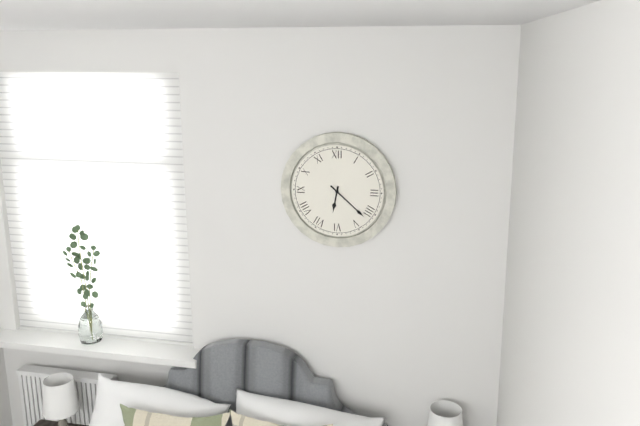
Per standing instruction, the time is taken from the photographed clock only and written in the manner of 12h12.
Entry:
6h22
